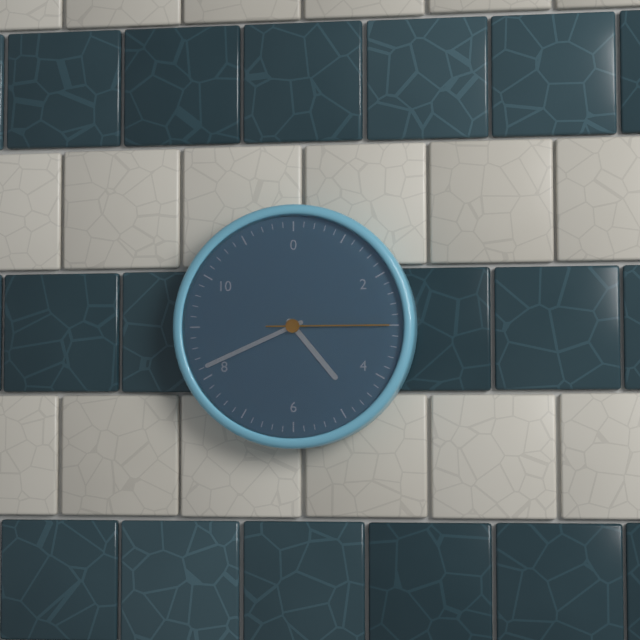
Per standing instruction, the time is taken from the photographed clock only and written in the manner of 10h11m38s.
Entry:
4h41m15s
